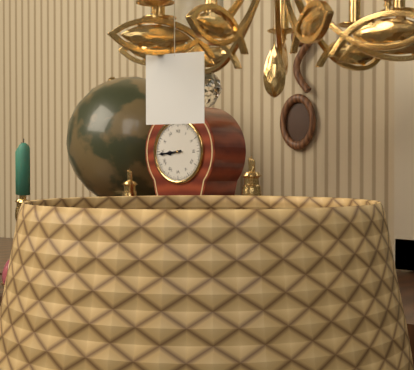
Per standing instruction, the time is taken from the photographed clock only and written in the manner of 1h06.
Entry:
8h44
